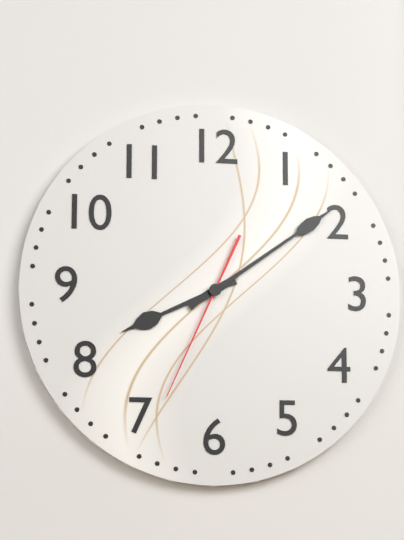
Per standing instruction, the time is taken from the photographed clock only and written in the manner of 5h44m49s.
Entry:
8h09m34s
